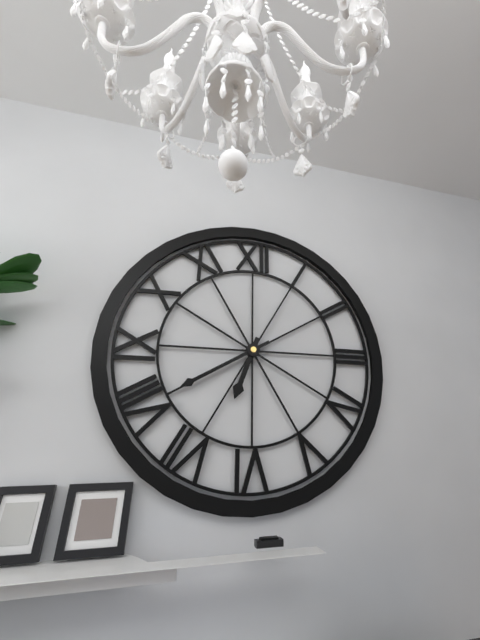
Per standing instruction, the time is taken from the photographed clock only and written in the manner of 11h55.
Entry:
6h40
